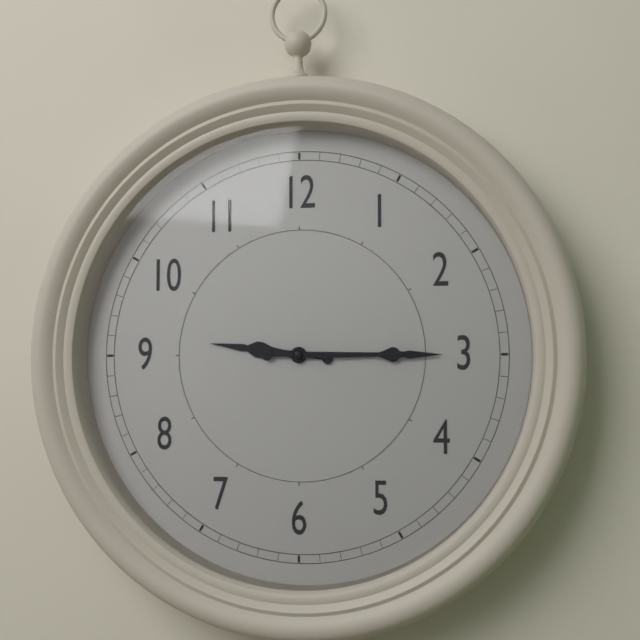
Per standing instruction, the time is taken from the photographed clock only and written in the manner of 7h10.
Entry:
9h15
